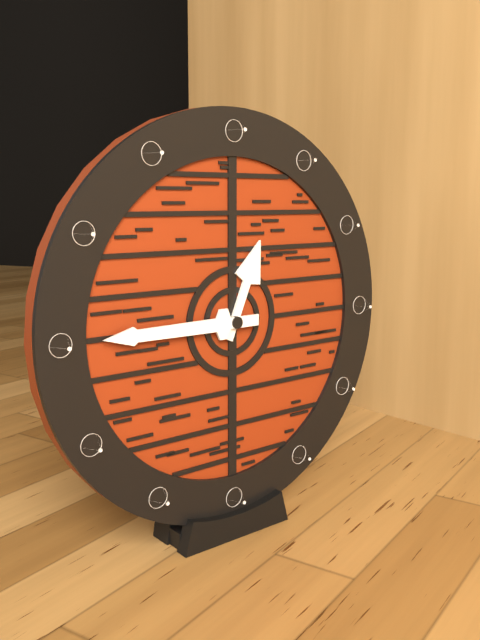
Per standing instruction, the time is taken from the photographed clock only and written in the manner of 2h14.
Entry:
12h45
